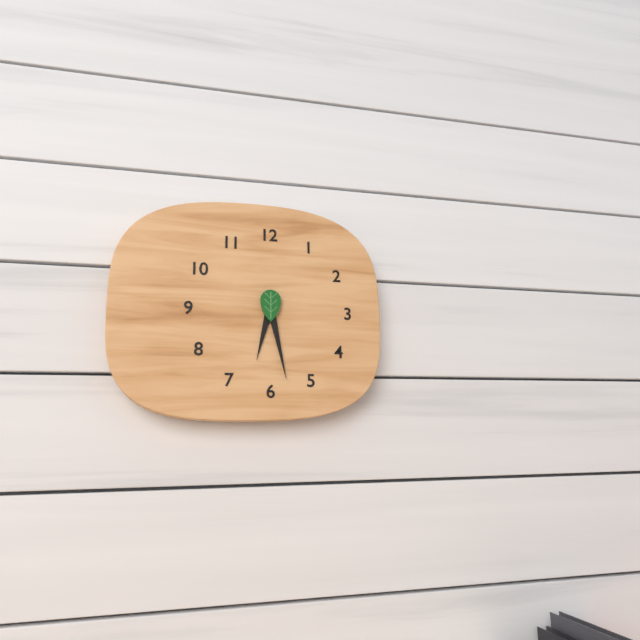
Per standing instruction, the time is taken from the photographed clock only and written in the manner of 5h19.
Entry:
6h28
